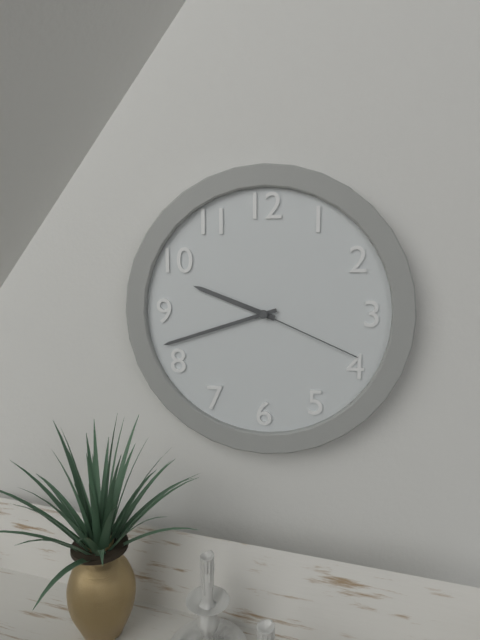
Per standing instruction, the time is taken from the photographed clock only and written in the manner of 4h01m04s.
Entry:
9h42m19s
